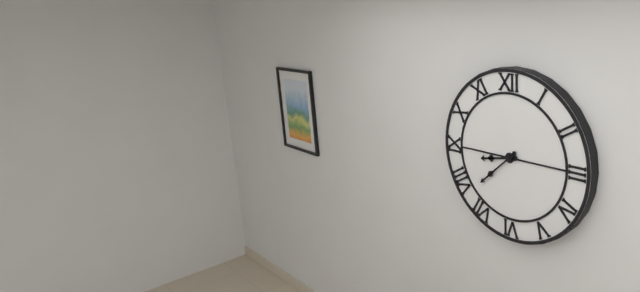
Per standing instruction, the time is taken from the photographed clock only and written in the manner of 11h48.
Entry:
8h38
